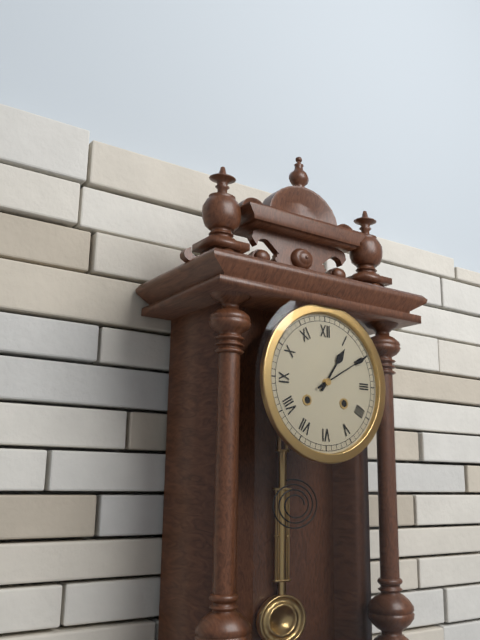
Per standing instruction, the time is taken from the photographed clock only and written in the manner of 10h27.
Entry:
1h10
